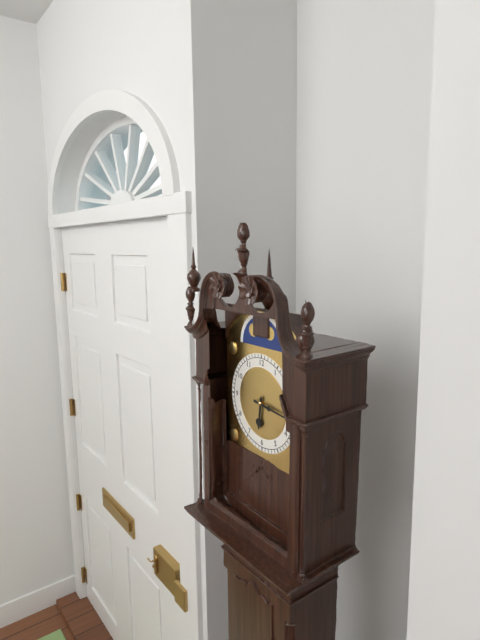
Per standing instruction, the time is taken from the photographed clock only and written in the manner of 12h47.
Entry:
6h16
